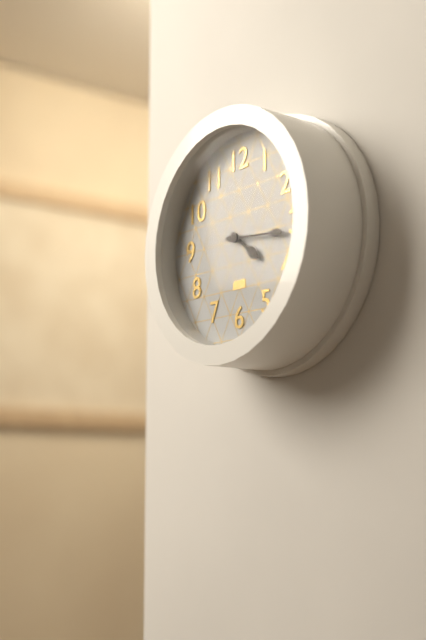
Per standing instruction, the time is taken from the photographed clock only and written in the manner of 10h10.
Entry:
4h16
